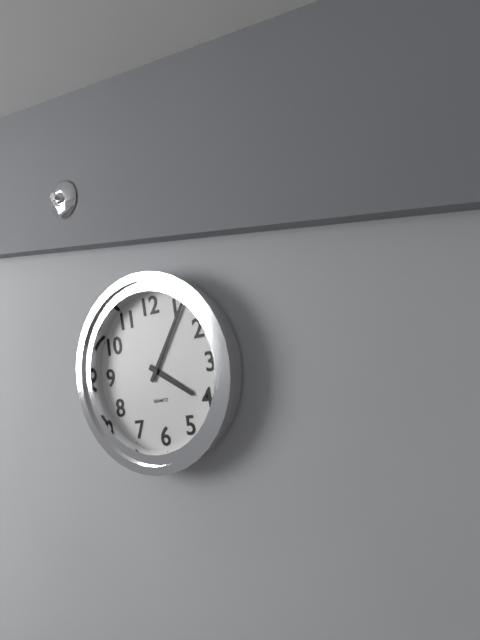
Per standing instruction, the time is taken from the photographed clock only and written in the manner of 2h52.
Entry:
4h06
